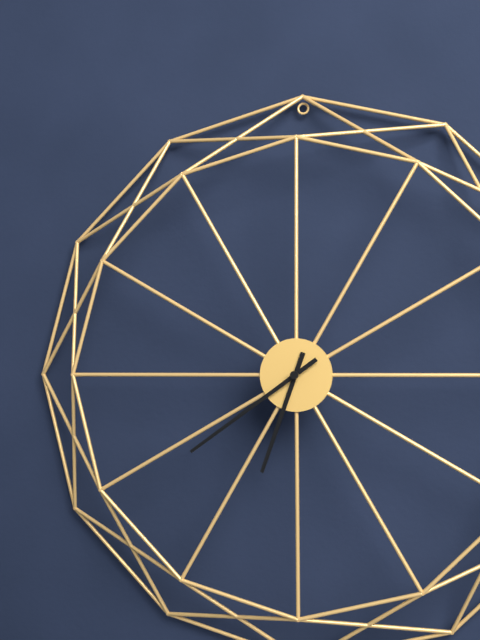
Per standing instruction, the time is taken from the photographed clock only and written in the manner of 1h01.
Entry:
6h39
